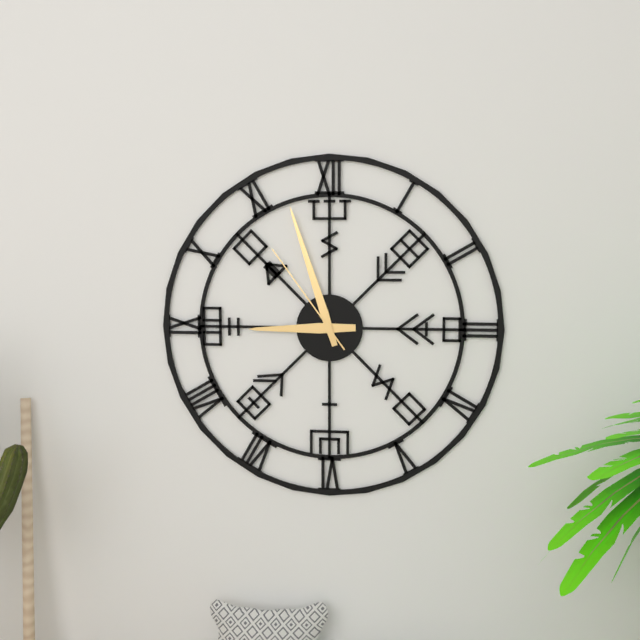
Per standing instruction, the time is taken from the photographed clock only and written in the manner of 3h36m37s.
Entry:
8h57m54s
